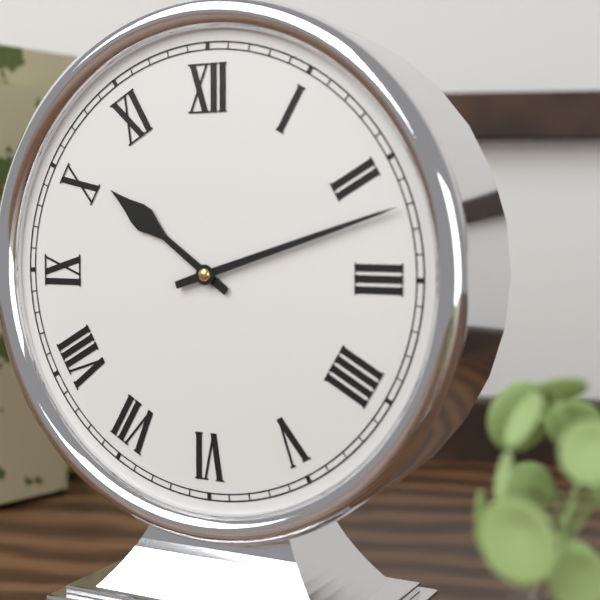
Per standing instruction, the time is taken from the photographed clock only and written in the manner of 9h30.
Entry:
10h12
